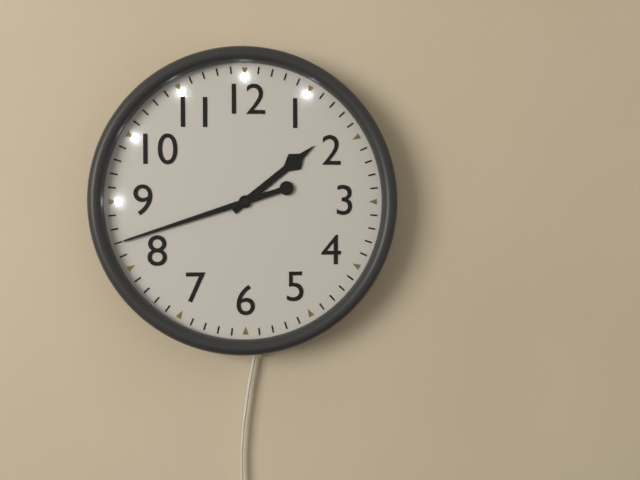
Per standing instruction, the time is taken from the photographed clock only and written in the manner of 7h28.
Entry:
1h42
